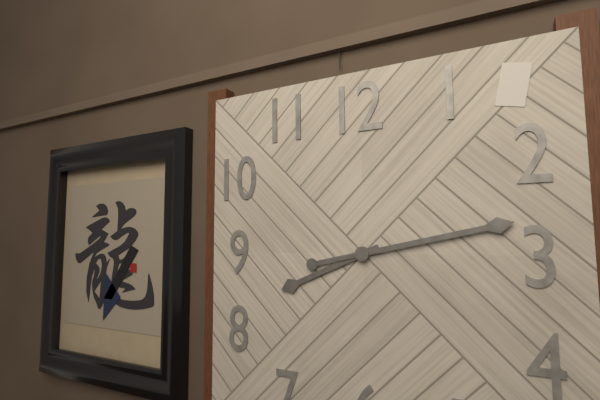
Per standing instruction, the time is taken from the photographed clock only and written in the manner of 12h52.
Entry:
8h13
